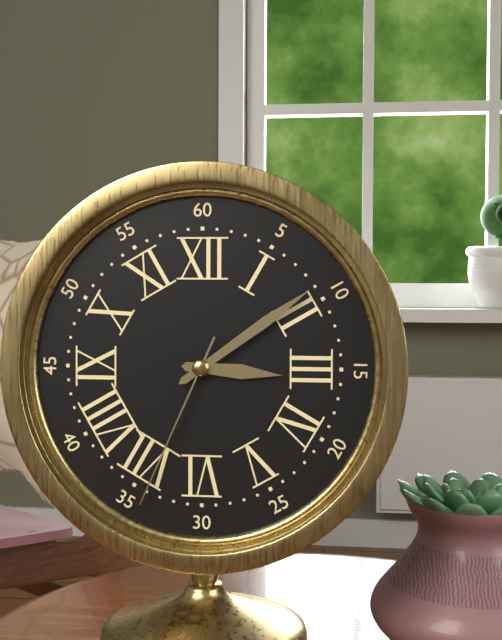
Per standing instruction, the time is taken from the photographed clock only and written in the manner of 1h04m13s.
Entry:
3h09m34s
